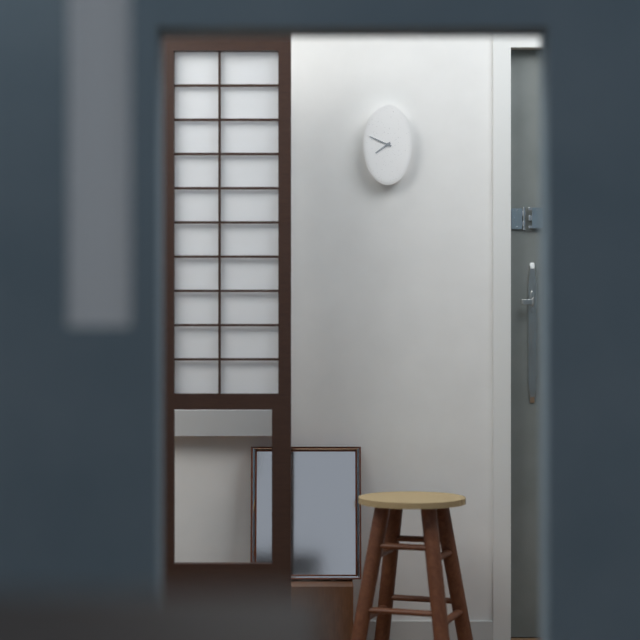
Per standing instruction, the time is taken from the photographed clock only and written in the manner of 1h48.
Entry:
7h49
